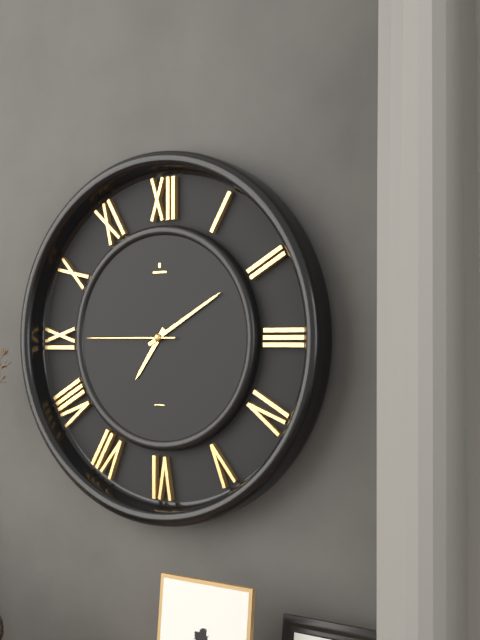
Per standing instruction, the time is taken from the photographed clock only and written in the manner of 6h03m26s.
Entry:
7h10m45s
